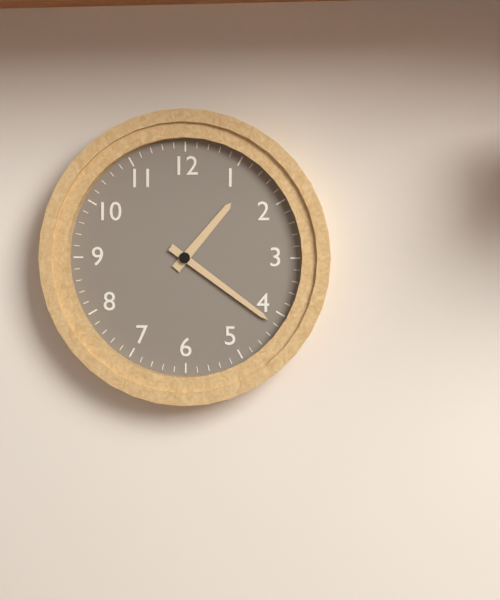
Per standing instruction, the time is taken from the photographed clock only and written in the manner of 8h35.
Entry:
1h21
